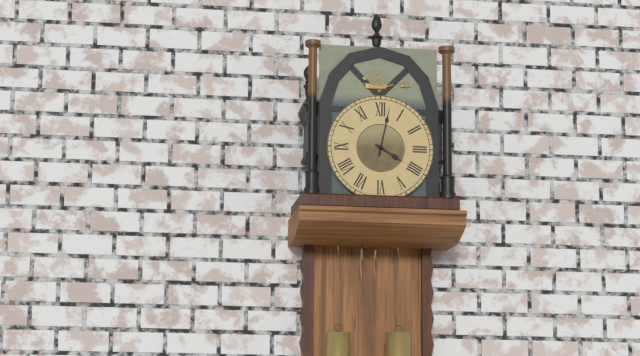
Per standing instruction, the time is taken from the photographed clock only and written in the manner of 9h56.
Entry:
4h02
